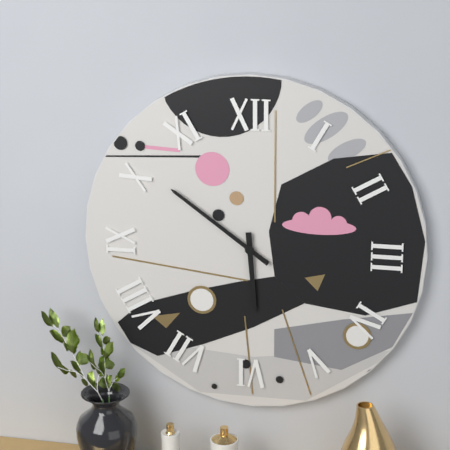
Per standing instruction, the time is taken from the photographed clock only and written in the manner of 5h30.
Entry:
5h51
